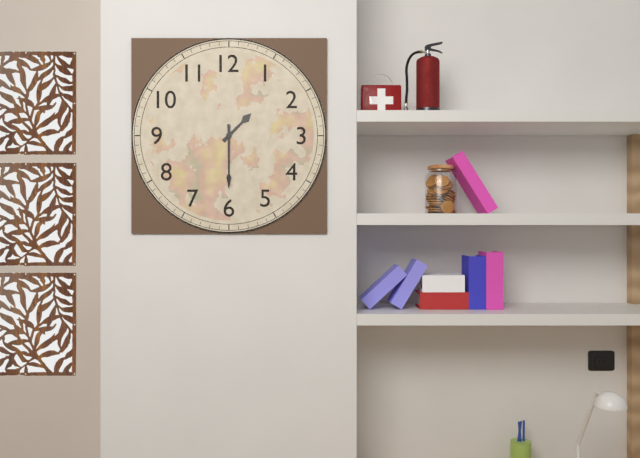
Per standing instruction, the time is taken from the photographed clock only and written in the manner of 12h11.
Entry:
1h30
